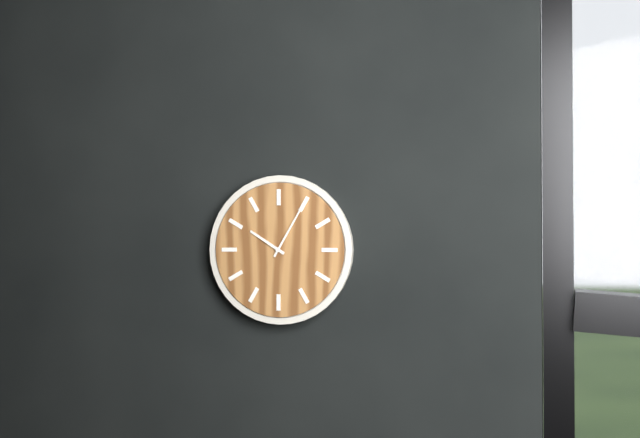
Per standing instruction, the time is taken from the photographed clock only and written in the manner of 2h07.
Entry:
10h05
